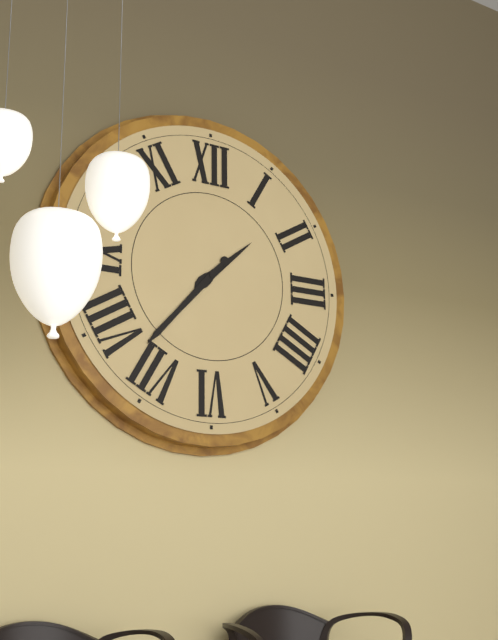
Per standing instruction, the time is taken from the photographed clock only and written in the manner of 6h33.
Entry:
1h37
